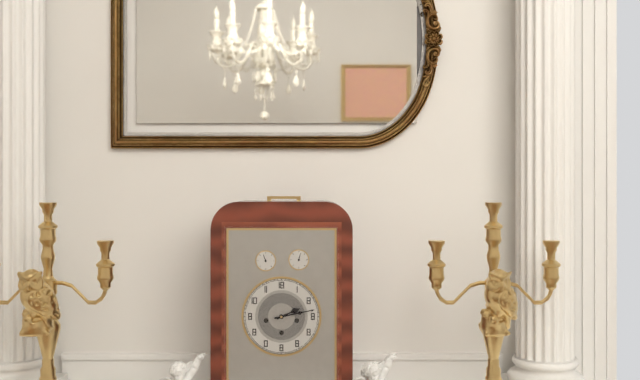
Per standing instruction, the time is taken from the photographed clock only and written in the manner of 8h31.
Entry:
2h13
